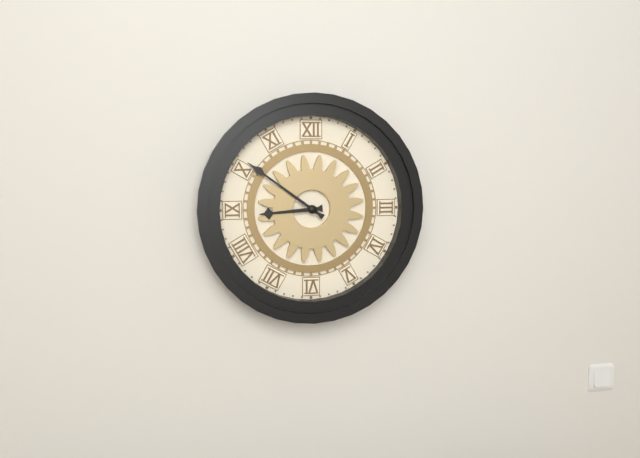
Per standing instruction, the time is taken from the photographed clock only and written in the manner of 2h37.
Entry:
8h51
